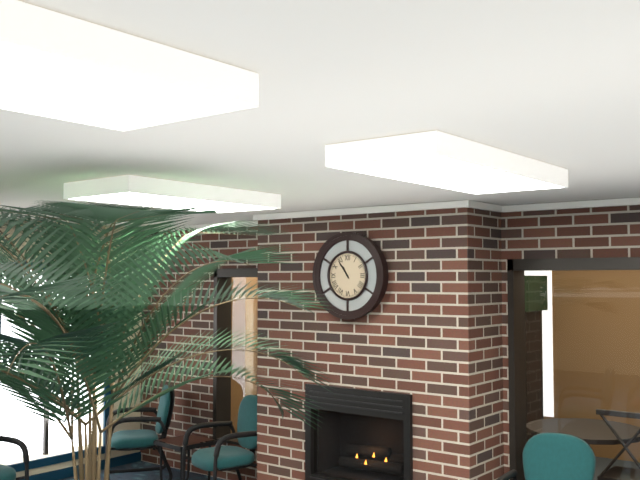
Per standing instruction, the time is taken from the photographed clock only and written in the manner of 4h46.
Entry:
10h54
